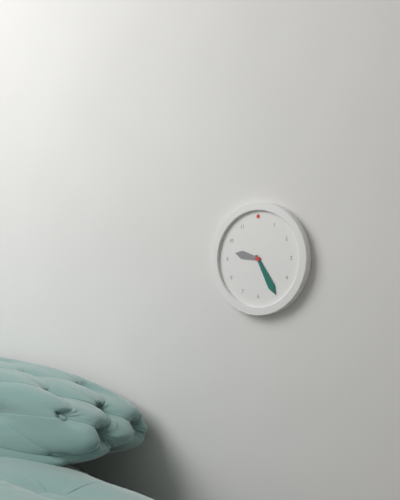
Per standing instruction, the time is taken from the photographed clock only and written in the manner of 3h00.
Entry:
9h25
